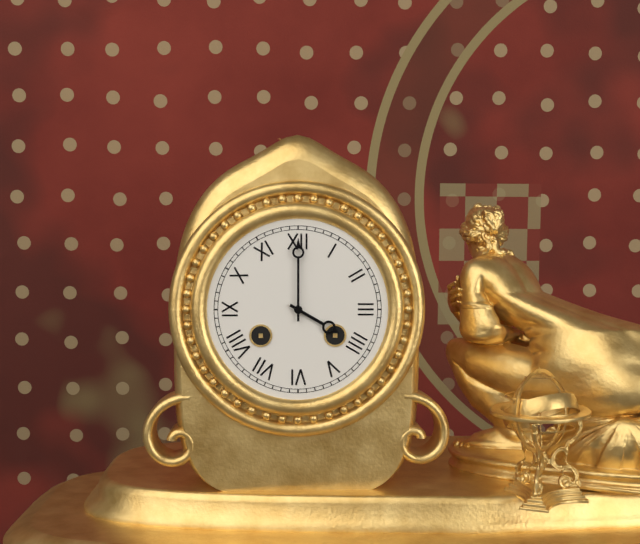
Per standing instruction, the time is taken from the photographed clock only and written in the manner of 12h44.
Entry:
4h00
